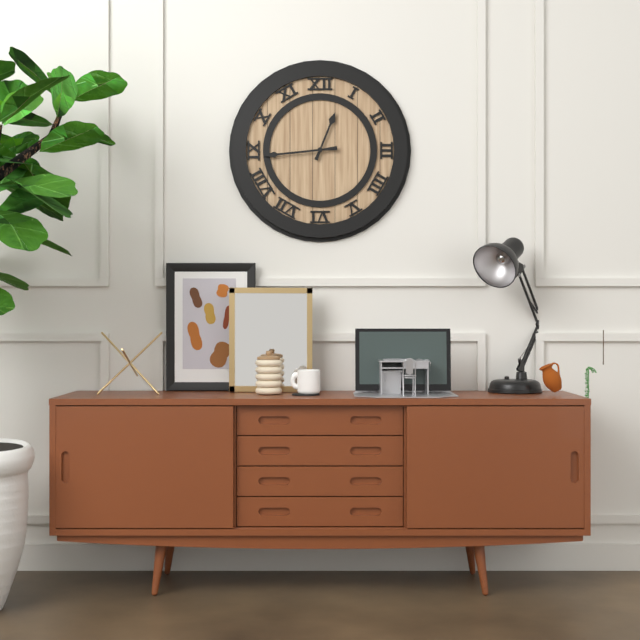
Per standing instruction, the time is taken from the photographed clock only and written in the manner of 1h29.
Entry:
12h44
